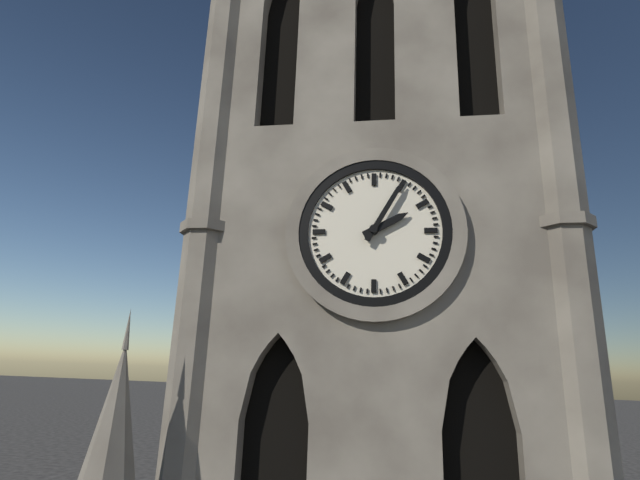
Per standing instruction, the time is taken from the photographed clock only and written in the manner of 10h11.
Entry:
2h05
